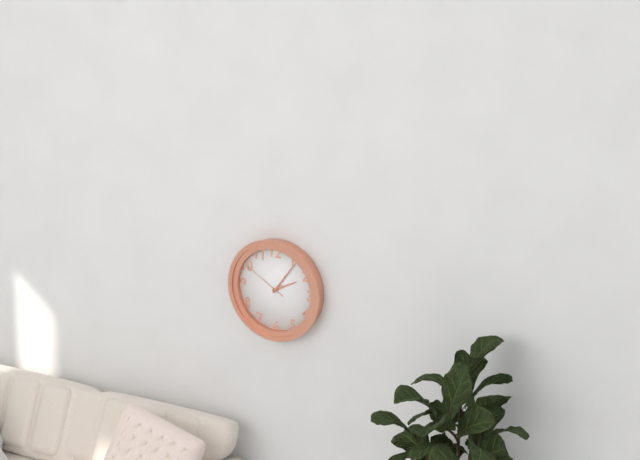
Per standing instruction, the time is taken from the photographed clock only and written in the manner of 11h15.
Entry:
2h06
